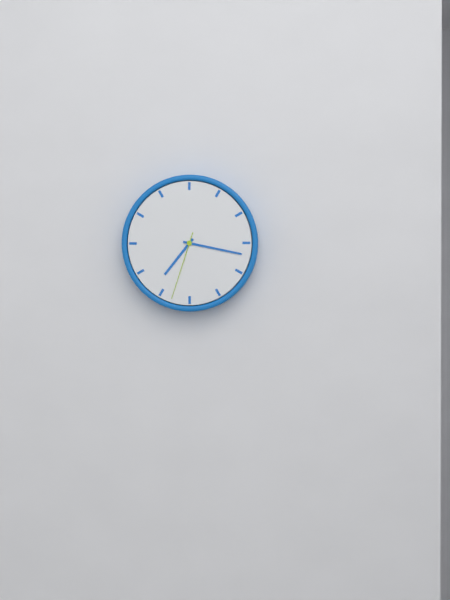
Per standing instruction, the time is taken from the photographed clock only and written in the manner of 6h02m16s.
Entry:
7h17m33s
